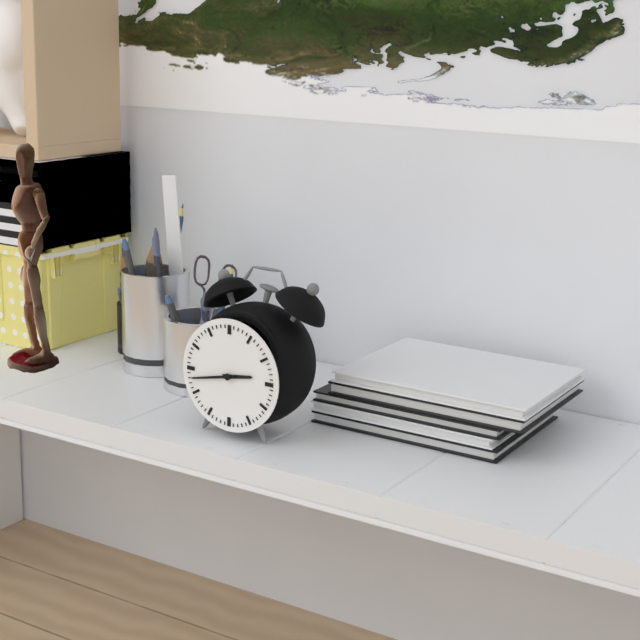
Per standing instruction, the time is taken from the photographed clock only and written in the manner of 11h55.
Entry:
2h43
